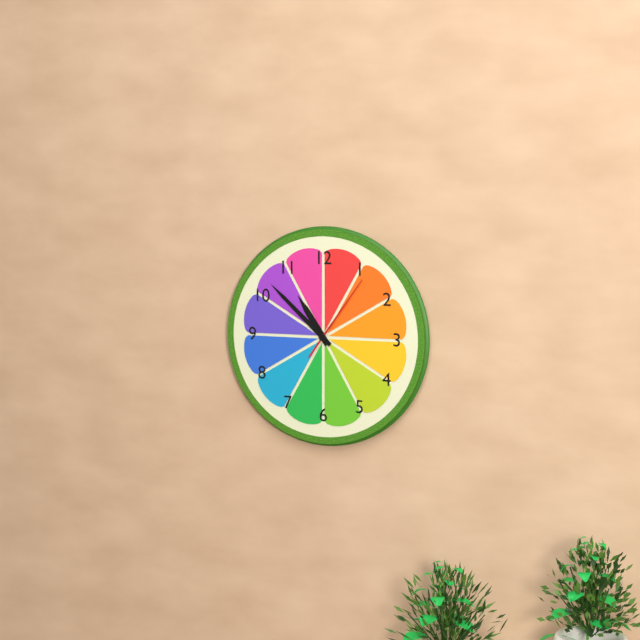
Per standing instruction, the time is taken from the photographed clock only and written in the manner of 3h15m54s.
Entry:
10h52m06s
